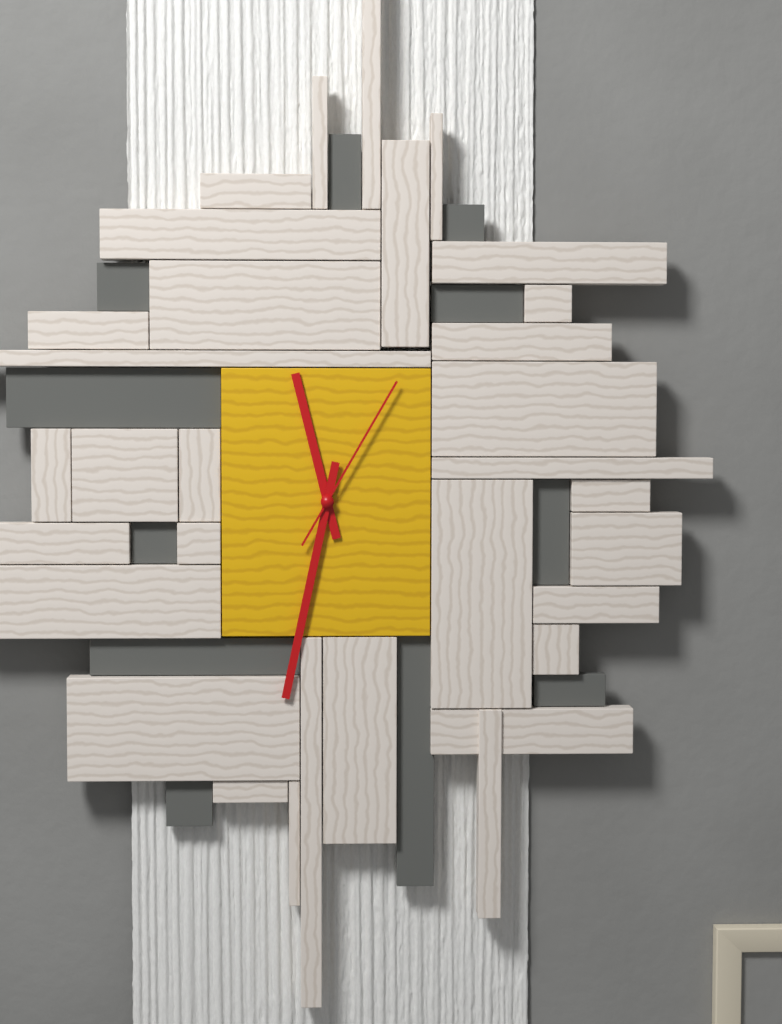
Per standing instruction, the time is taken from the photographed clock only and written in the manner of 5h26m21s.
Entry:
11h32m05s
